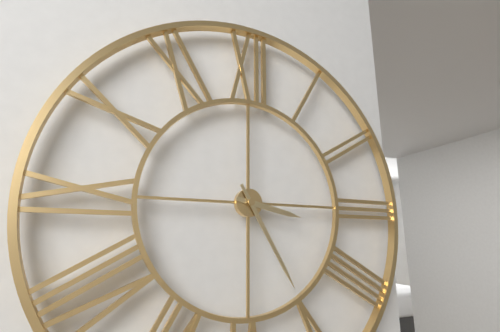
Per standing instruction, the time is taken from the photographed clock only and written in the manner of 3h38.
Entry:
3h25
